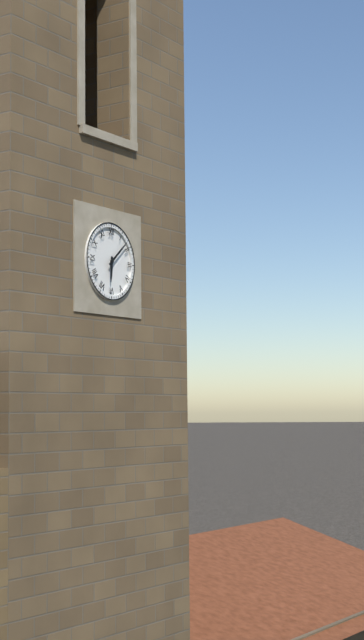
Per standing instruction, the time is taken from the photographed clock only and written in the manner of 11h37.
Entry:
6h08
